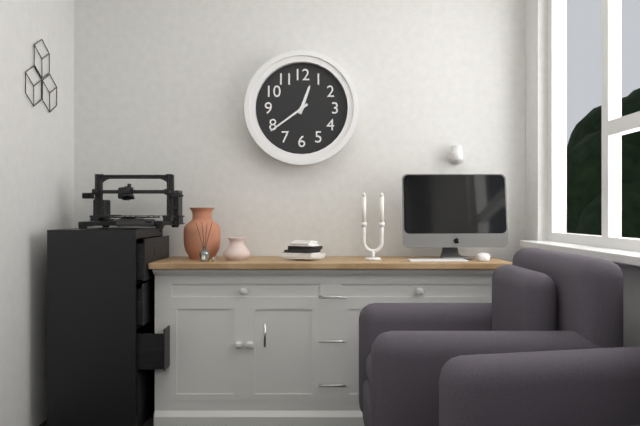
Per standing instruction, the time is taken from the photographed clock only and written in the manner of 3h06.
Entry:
12h39
